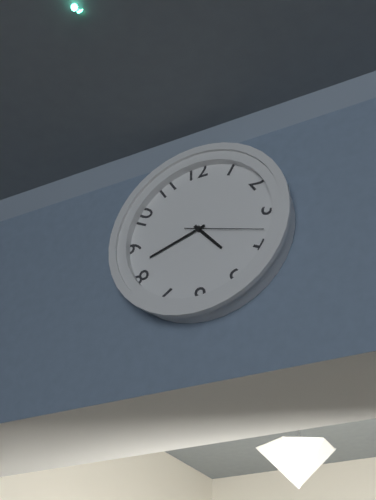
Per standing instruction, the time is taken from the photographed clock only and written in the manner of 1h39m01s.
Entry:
4h42m18s
